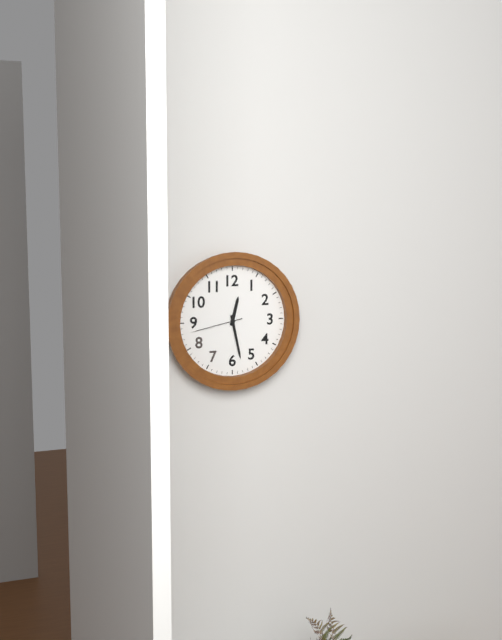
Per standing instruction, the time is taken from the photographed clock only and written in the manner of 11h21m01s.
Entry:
12h28m43s
